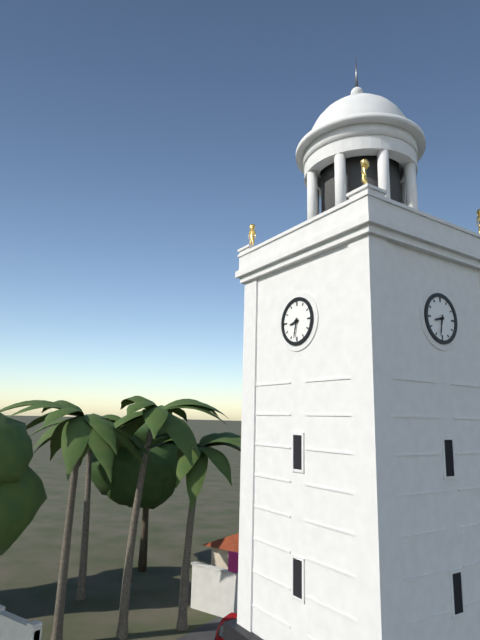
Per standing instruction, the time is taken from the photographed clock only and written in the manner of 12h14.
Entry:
8h32
